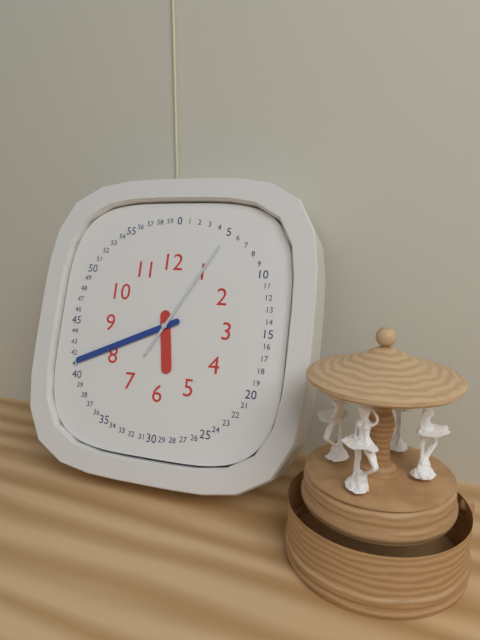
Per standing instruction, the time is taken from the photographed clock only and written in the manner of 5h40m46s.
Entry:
5h41m05s
